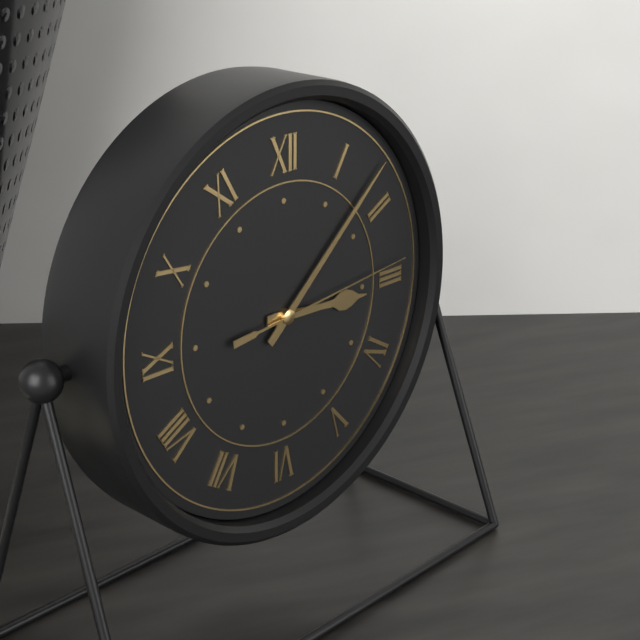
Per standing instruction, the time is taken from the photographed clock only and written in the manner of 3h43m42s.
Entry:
3h08m14s
